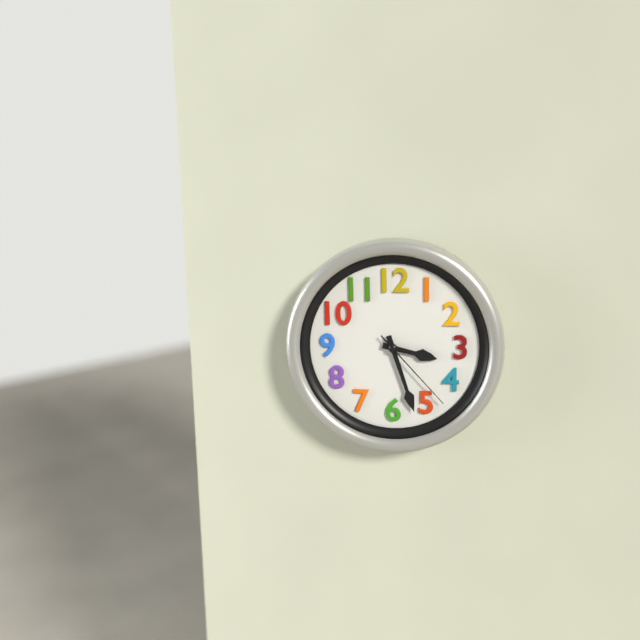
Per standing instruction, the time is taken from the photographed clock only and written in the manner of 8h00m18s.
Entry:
3h27m23s
